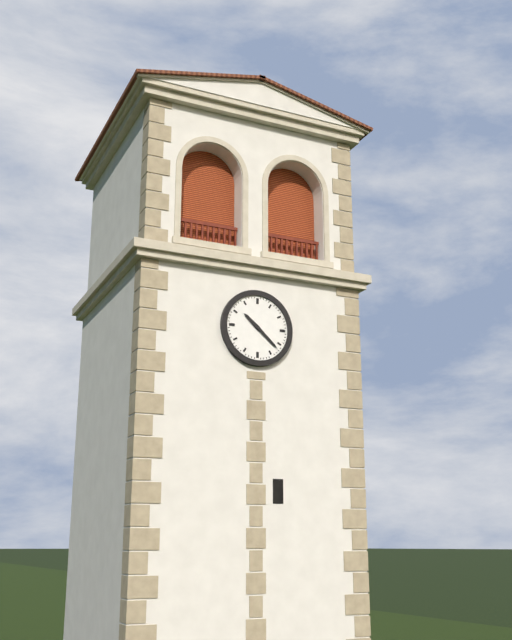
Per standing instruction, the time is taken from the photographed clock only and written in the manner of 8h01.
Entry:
10h22
